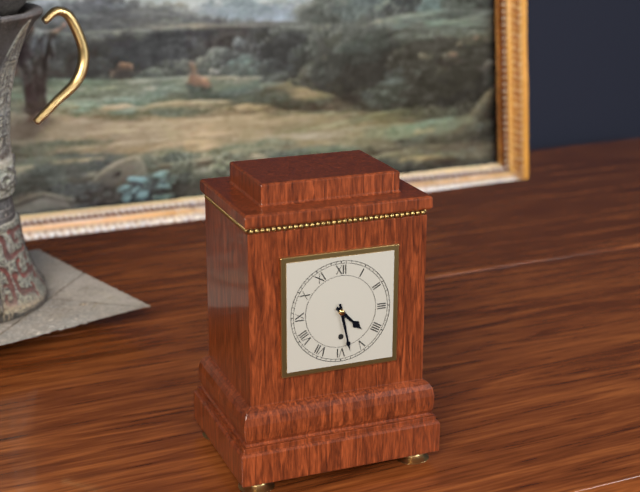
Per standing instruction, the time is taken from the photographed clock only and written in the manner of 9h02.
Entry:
4h28
